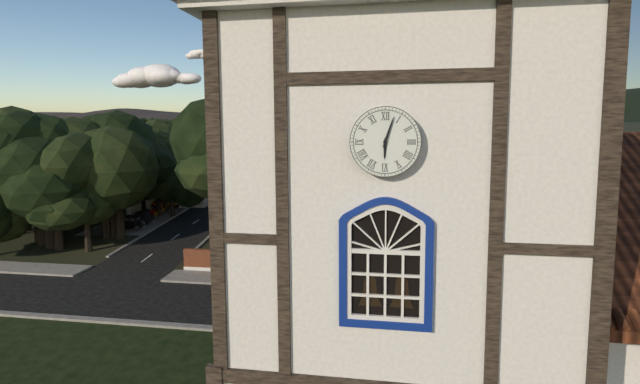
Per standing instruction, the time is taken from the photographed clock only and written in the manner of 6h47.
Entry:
6h03
